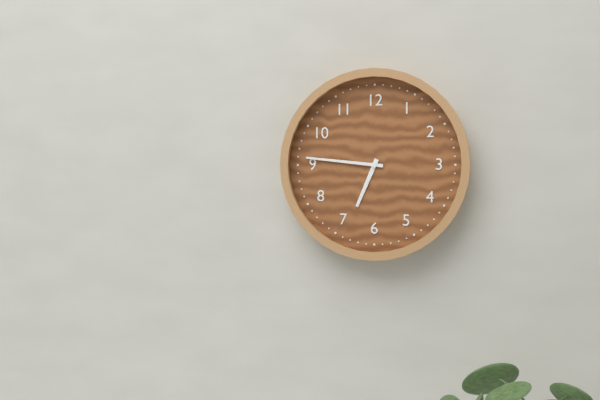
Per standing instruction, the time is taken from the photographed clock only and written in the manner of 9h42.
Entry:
6h46
